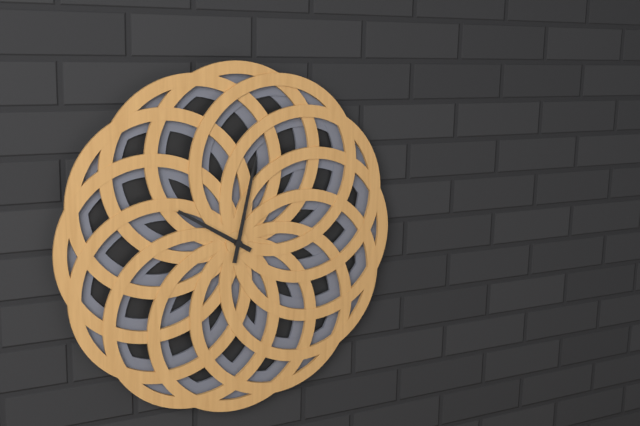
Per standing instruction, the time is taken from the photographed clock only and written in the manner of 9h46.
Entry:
10h02
